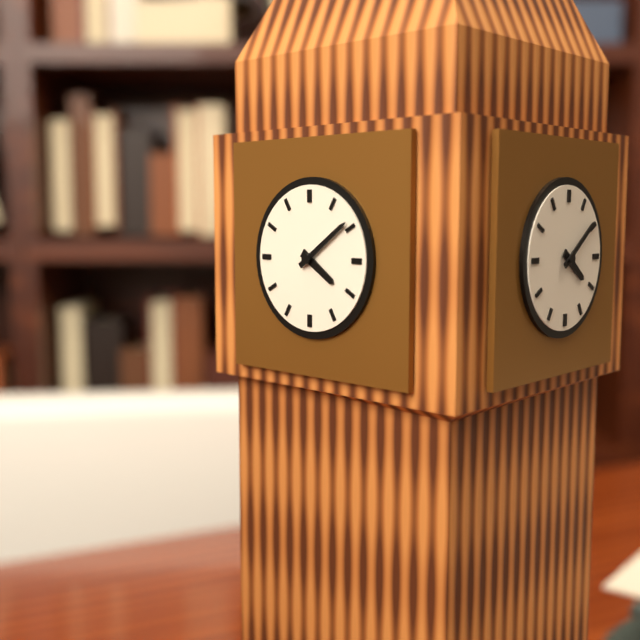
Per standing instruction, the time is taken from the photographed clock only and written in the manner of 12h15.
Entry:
4h09
